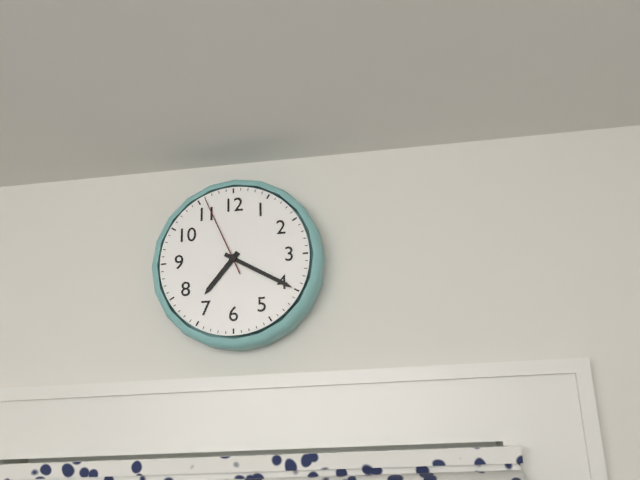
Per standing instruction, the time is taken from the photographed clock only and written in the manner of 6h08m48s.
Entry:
7h20m56s
